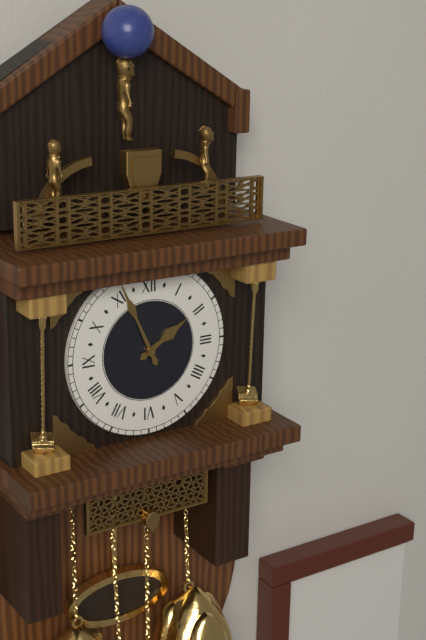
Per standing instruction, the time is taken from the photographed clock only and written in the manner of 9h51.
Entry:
1h56
